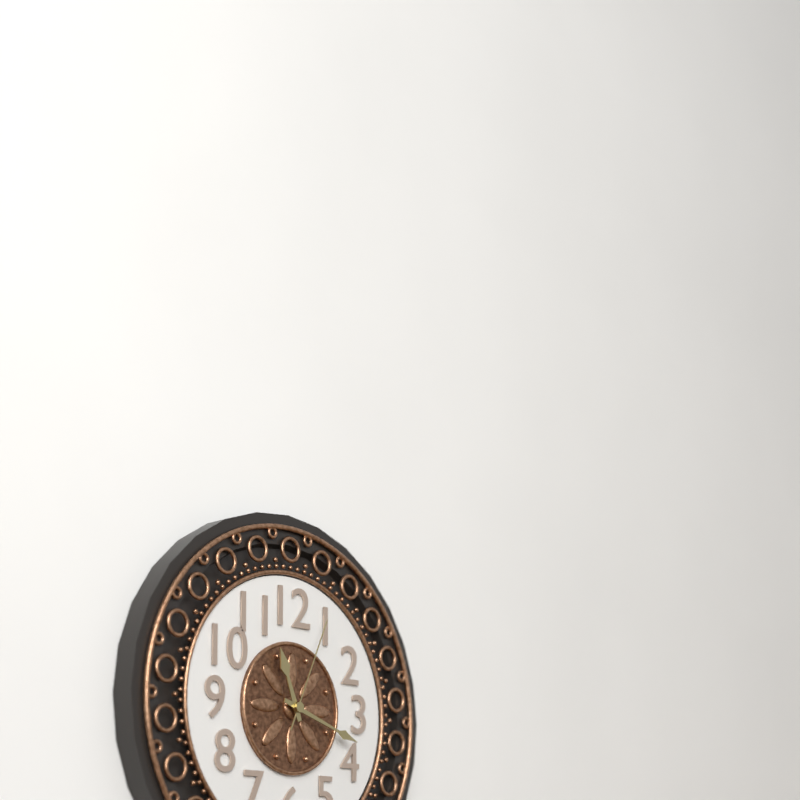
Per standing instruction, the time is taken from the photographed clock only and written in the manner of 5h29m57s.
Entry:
11h18m04s
